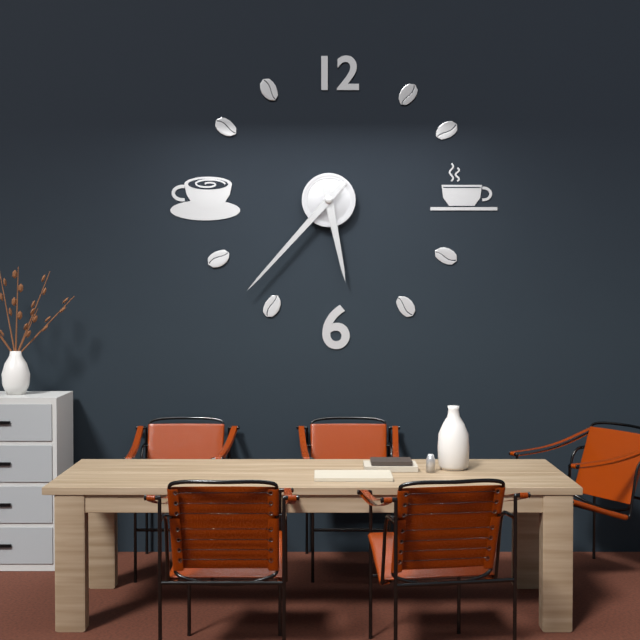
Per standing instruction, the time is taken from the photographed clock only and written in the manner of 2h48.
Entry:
5h37
